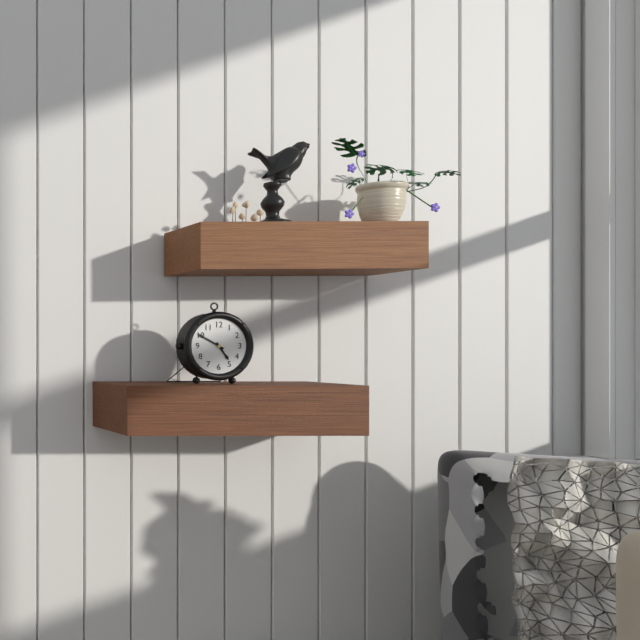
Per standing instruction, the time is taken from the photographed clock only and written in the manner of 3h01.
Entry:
4h50
